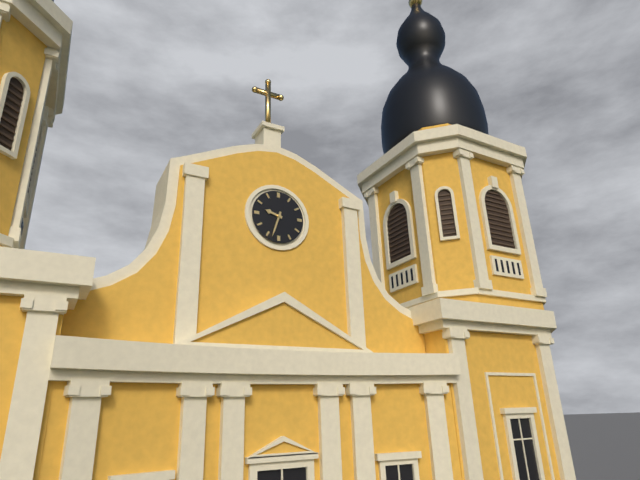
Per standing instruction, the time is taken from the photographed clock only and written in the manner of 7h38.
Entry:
9h33
